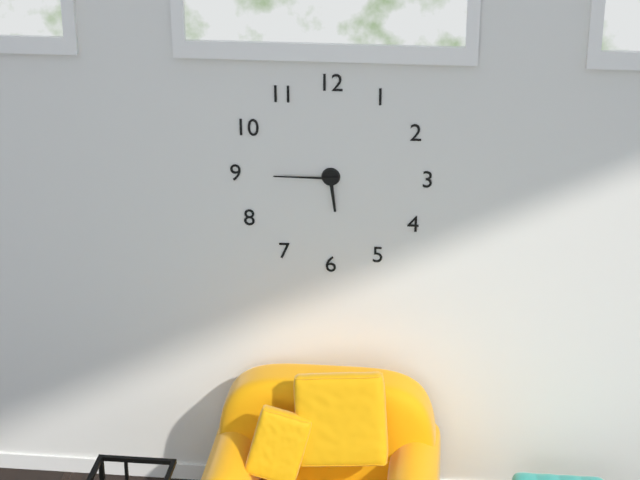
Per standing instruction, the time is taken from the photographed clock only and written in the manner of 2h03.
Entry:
5h45
